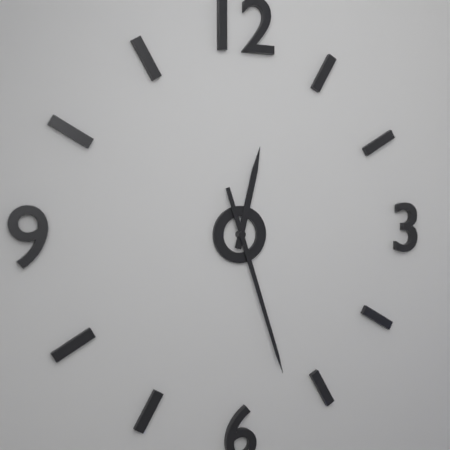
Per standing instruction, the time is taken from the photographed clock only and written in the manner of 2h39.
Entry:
12h27
